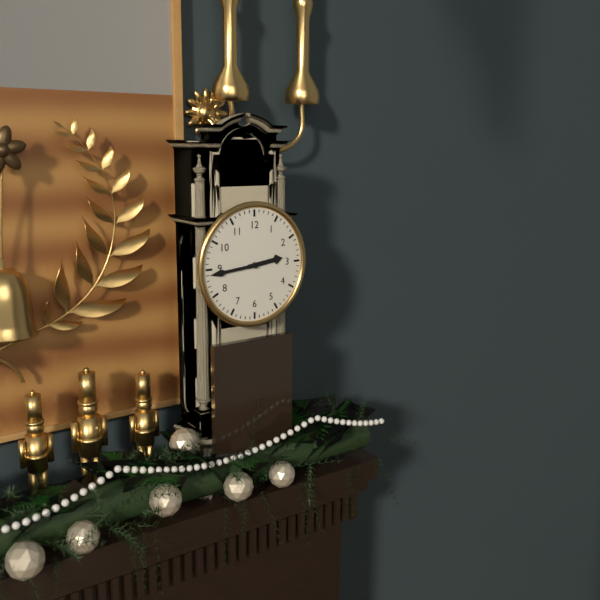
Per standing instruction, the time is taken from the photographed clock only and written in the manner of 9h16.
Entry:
2h44
